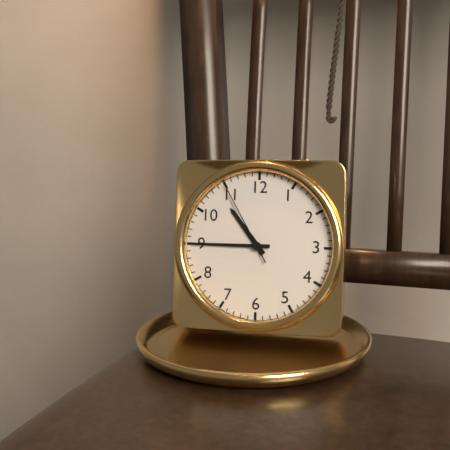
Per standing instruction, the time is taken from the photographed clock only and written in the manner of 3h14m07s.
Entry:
10h45m55s
